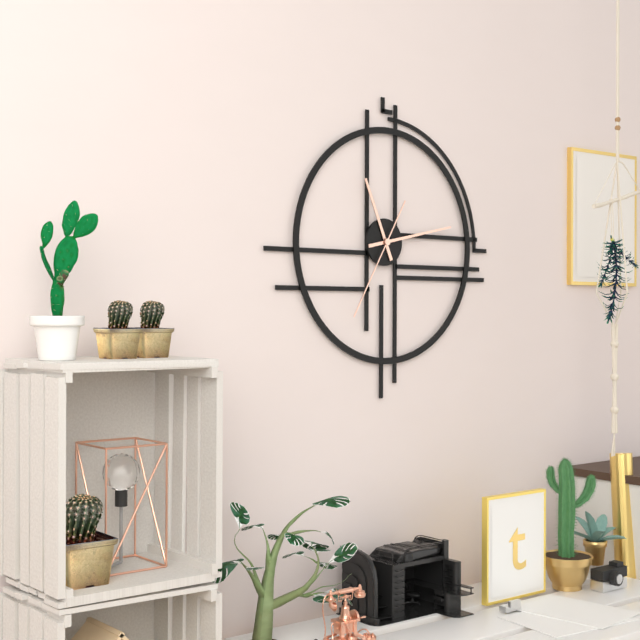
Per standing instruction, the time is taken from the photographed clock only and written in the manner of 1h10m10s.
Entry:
11h13m35s
